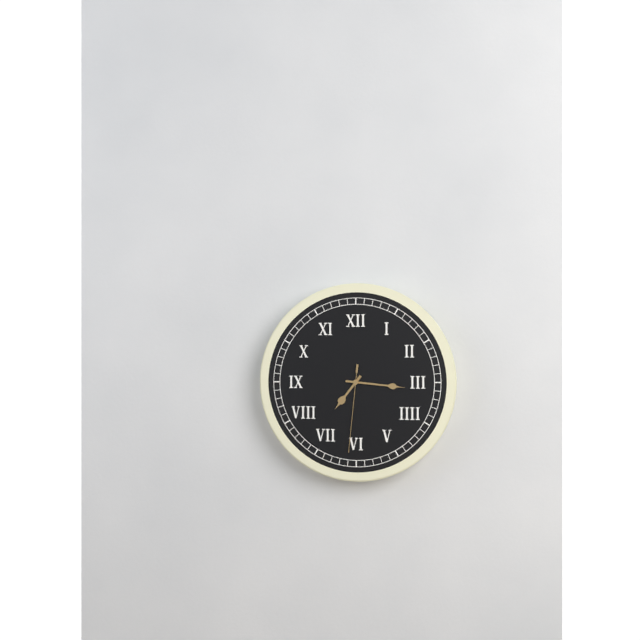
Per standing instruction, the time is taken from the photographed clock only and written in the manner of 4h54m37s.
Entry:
7h16m31s
